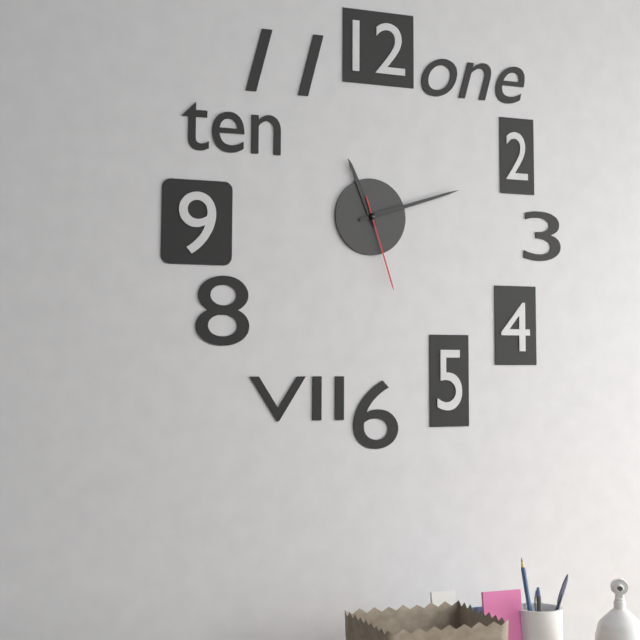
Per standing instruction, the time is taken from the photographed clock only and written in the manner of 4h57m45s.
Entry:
11h12m27s
